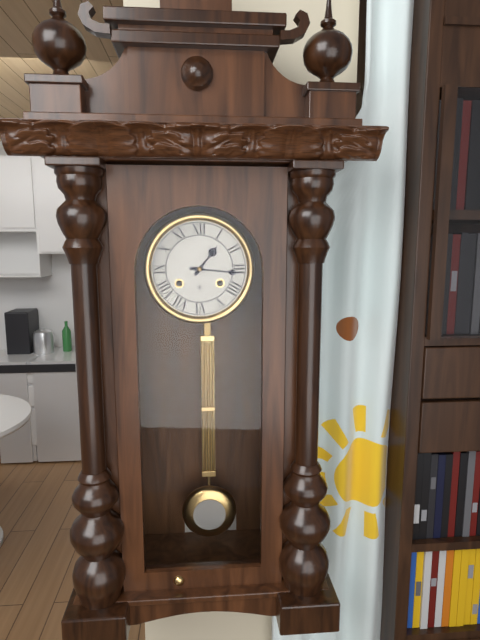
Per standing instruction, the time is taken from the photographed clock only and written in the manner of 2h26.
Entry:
1h16
